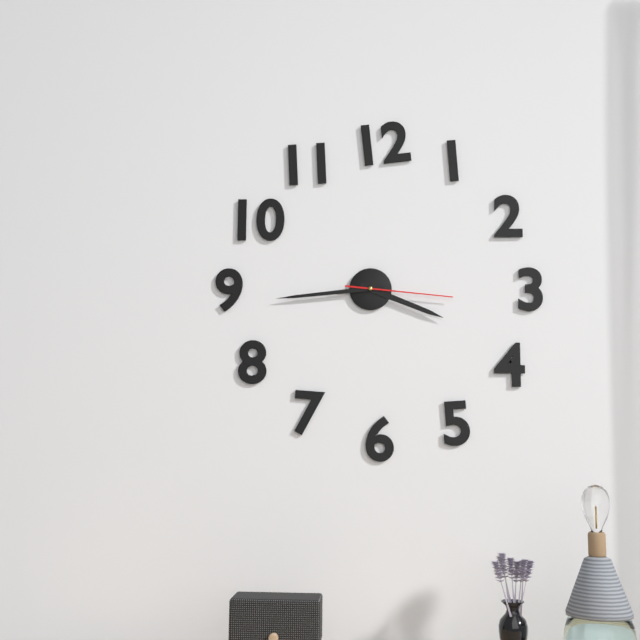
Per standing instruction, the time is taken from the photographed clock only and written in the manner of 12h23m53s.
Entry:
3h44m16s
